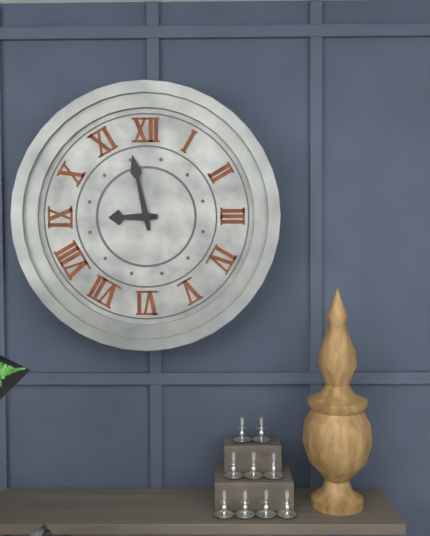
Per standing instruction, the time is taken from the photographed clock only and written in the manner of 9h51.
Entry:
8h58
